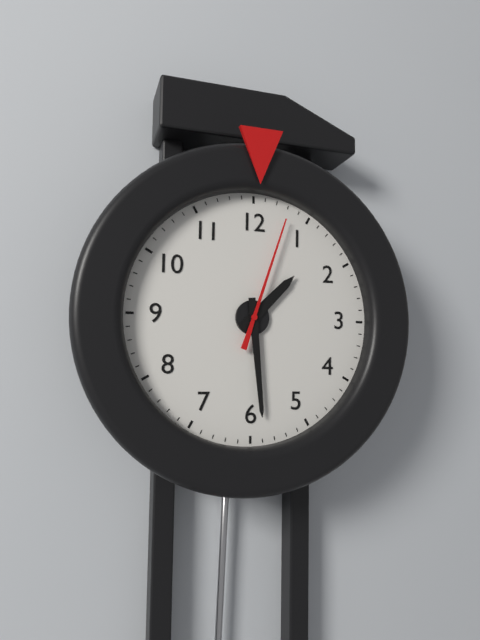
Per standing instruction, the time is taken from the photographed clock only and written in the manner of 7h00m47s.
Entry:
1h29m03s
